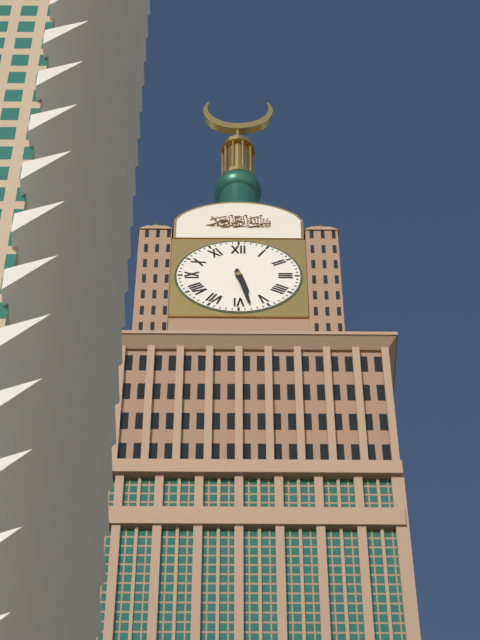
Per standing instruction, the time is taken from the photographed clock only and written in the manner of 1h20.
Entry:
5h28
